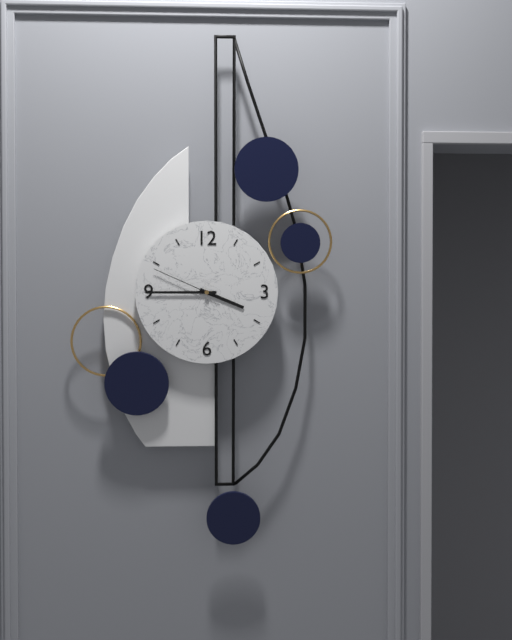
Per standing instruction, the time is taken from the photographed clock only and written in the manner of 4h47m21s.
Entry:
3h45m49s
